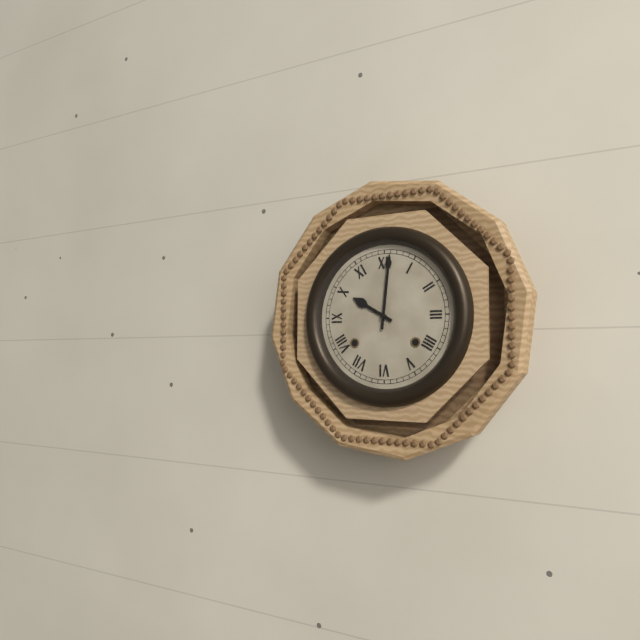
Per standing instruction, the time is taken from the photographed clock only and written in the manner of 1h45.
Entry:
10h01
